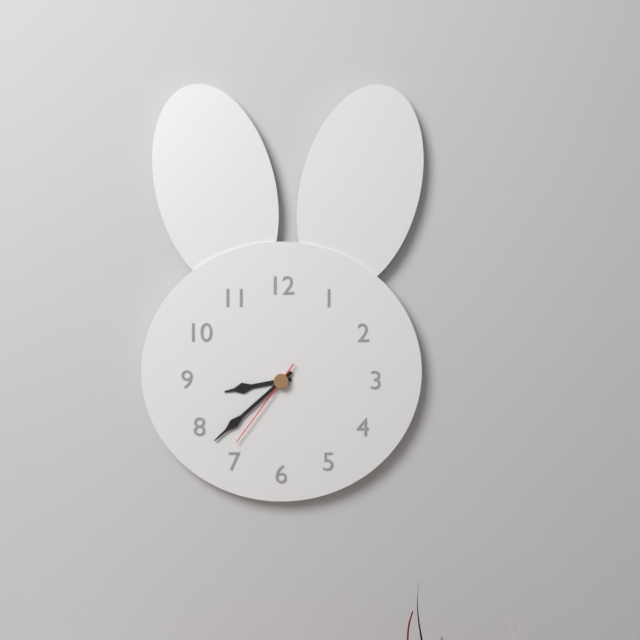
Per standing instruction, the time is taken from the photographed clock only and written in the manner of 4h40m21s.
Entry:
8h38m36s
